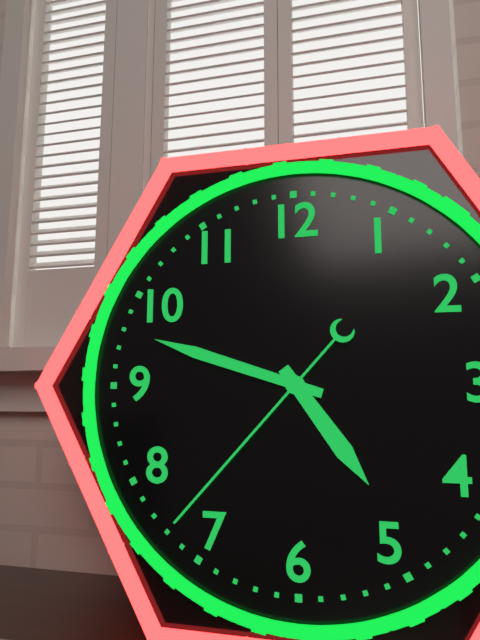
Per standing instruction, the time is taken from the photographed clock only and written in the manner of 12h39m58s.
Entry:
4h48m37s
